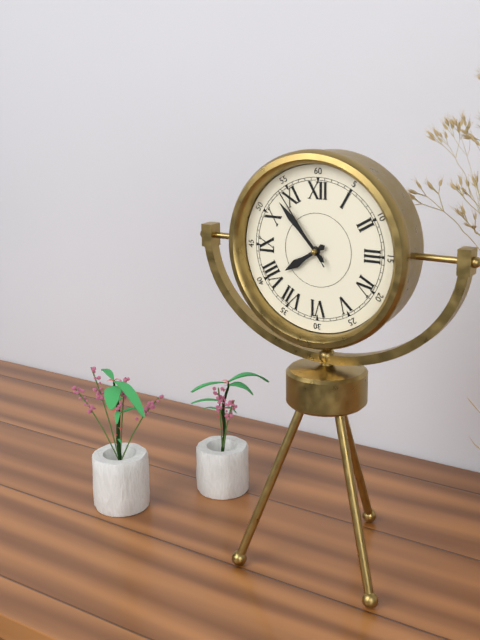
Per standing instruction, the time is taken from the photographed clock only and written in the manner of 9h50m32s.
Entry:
7h53m54s
